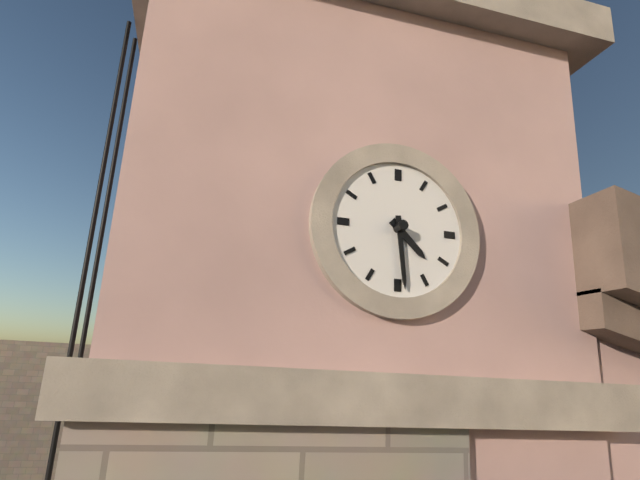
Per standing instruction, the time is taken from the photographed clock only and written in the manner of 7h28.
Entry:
4h29
